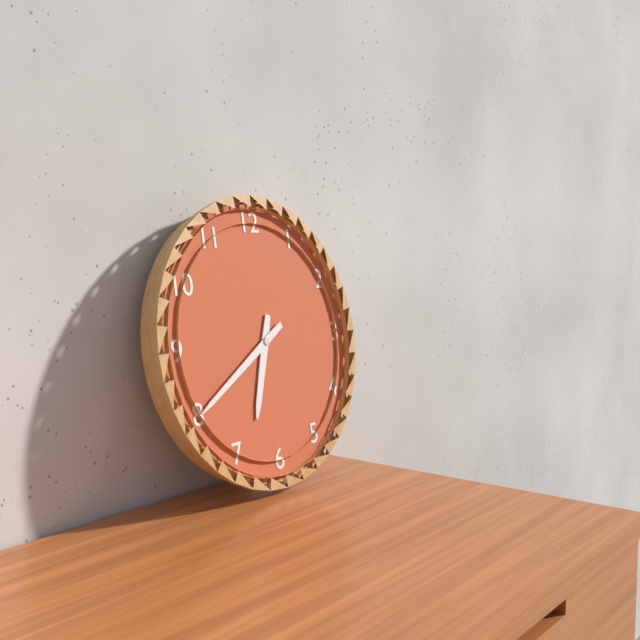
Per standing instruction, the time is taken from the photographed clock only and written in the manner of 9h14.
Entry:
6h40
